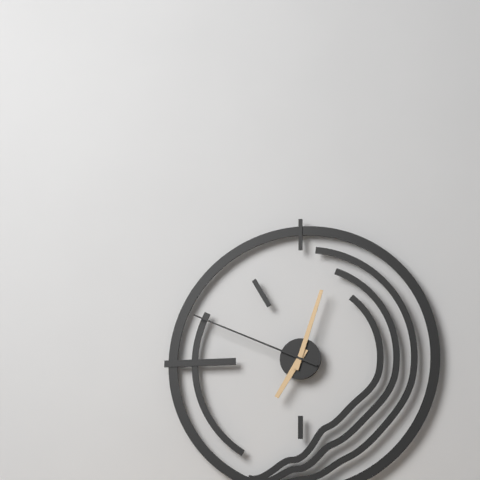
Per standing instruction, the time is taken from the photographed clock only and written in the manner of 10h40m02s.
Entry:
7h03m49s
